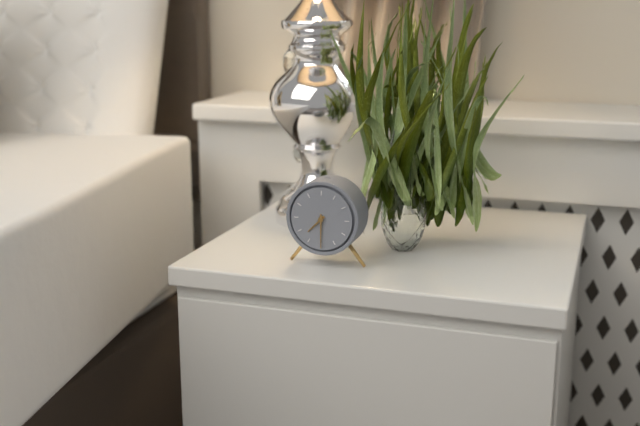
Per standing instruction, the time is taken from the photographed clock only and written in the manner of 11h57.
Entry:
7h30
